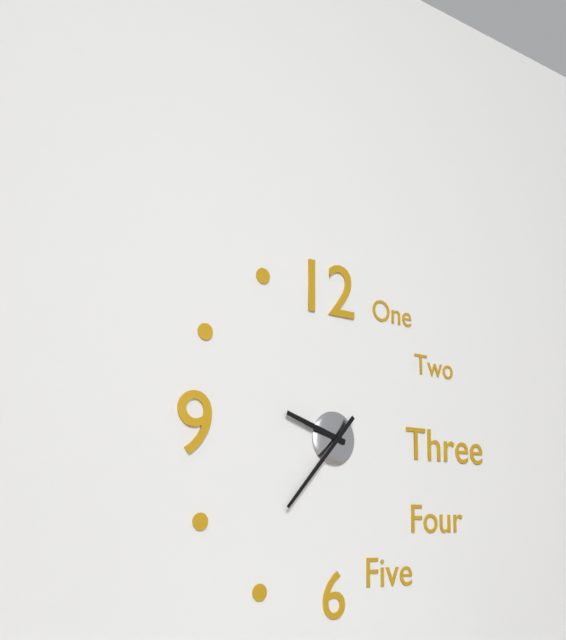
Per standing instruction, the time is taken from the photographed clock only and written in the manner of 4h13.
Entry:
9h37
